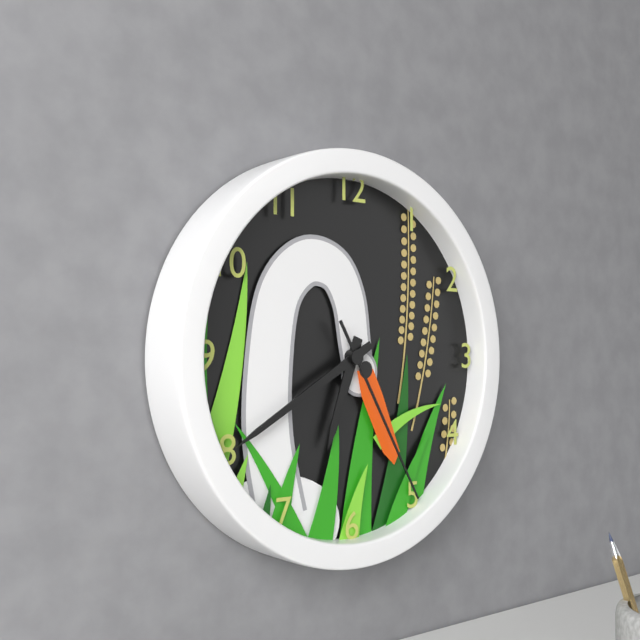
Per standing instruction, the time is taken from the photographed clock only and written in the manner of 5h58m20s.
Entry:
6h40m25s
